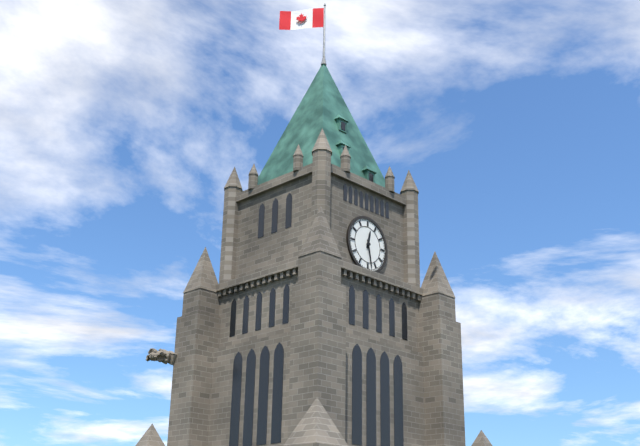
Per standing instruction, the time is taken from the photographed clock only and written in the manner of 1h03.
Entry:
12h28
